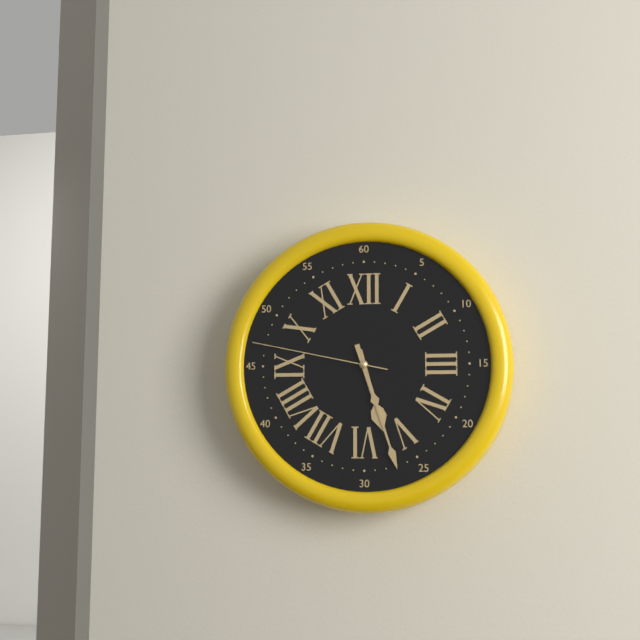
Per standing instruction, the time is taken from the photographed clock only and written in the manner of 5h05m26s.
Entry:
5h27m47s
